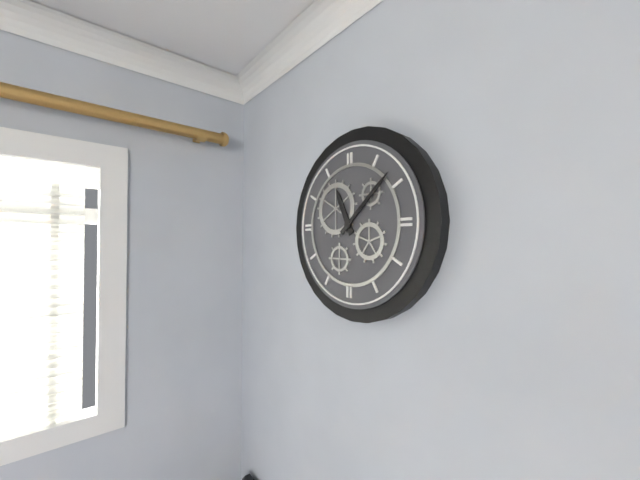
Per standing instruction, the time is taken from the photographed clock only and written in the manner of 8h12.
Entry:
11h08
